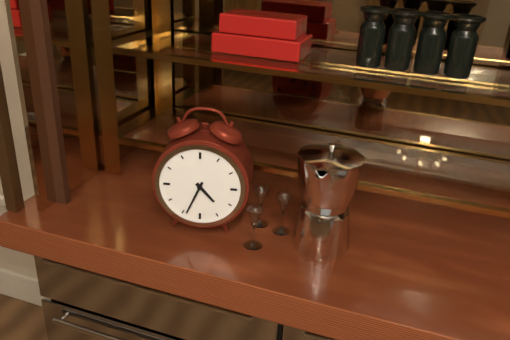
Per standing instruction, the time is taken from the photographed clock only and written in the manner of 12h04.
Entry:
4h34
